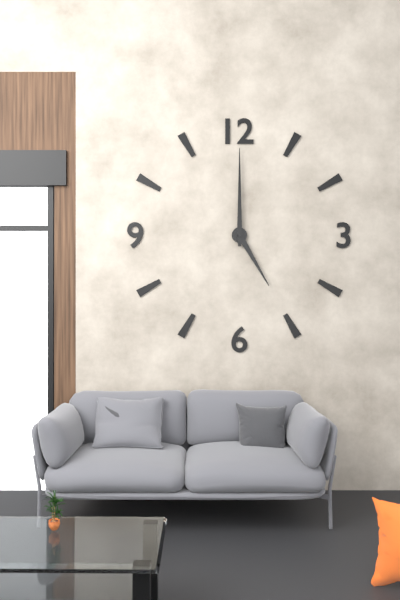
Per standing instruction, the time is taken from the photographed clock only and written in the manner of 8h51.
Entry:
5h00
